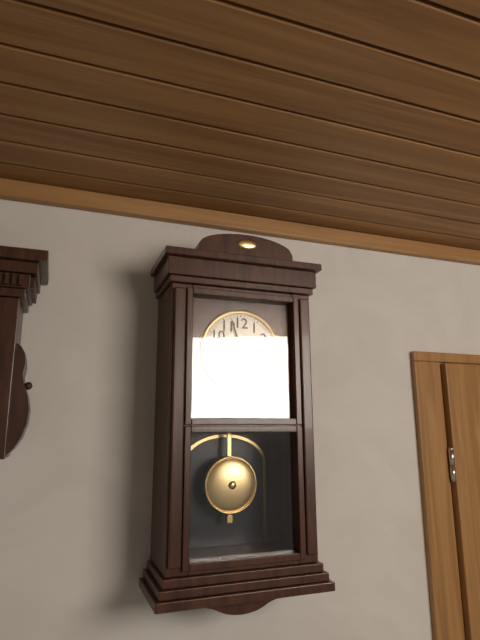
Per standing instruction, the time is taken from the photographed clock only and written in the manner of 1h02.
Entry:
6h57
